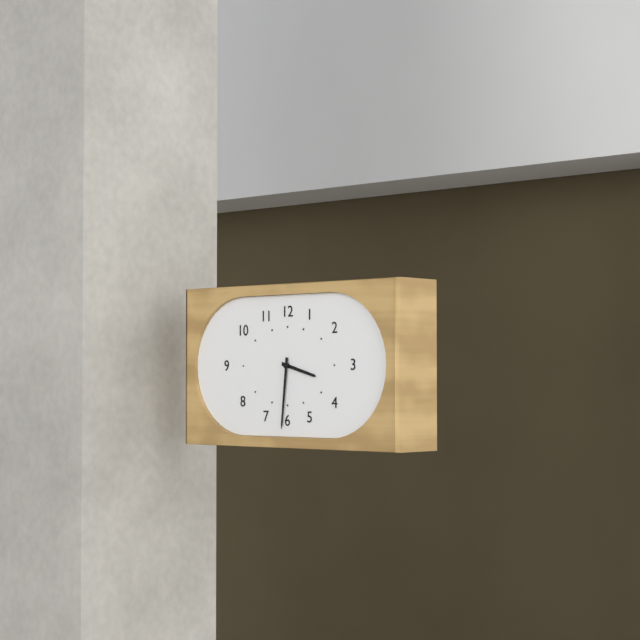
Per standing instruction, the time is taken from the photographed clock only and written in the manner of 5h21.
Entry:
3h31
